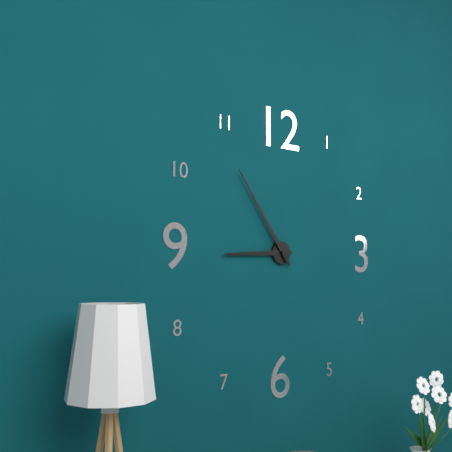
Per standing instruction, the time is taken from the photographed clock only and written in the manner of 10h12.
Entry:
8h54
